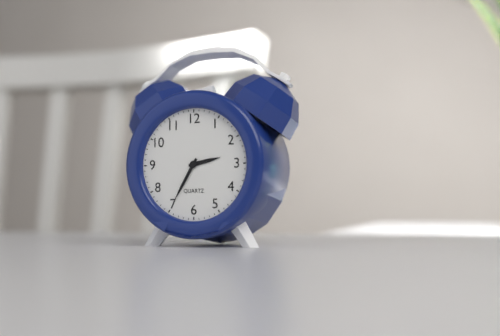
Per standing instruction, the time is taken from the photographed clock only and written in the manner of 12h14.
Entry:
2h35
